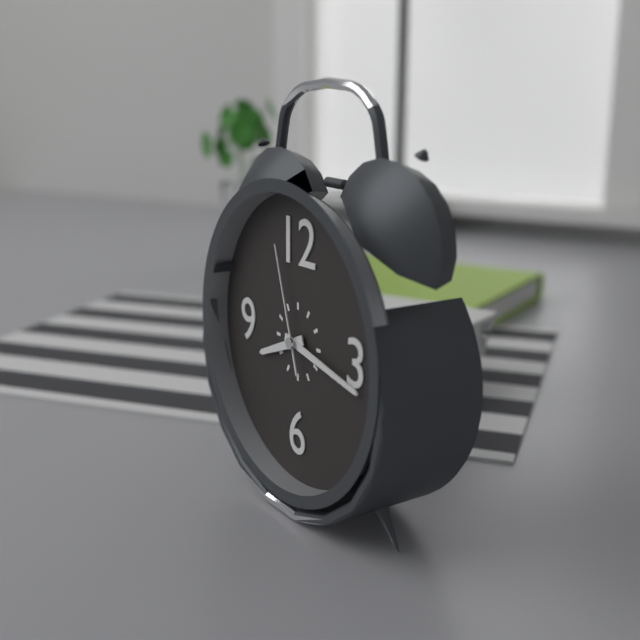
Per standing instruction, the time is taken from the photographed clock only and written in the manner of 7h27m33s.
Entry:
8h17m57s
